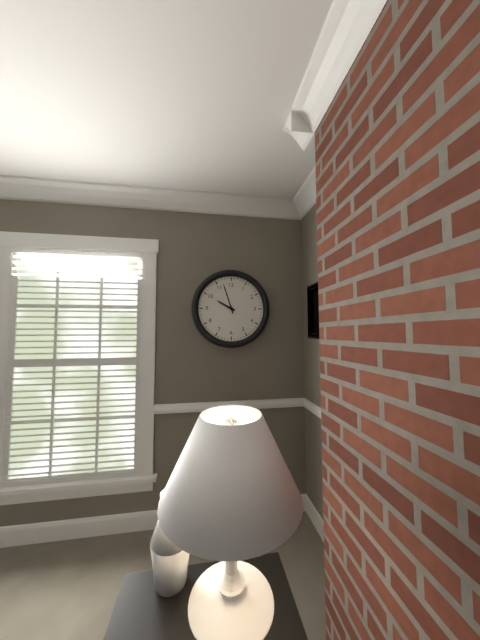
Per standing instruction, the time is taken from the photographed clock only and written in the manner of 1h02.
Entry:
9h57
